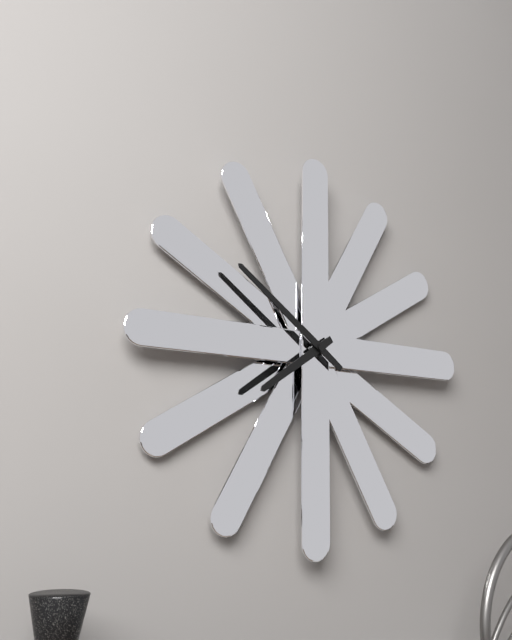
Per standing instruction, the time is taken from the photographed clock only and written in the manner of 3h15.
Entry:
7h51
